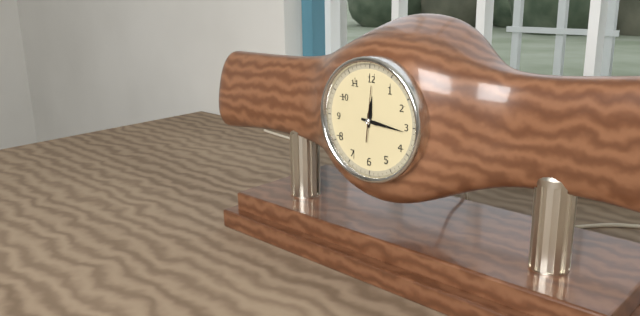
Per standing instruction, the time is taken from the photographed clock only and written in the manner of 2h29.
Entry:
12h16
